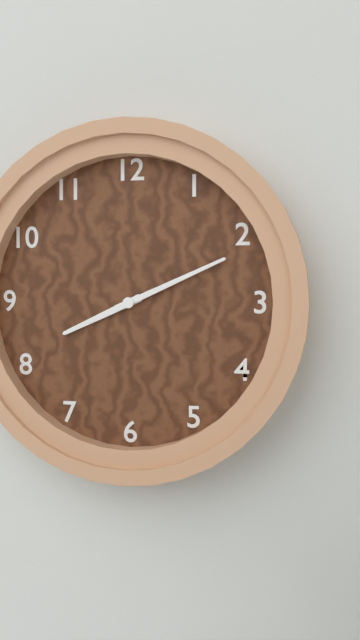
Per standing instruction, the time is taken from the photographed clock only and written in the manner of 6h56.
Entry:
8h11
